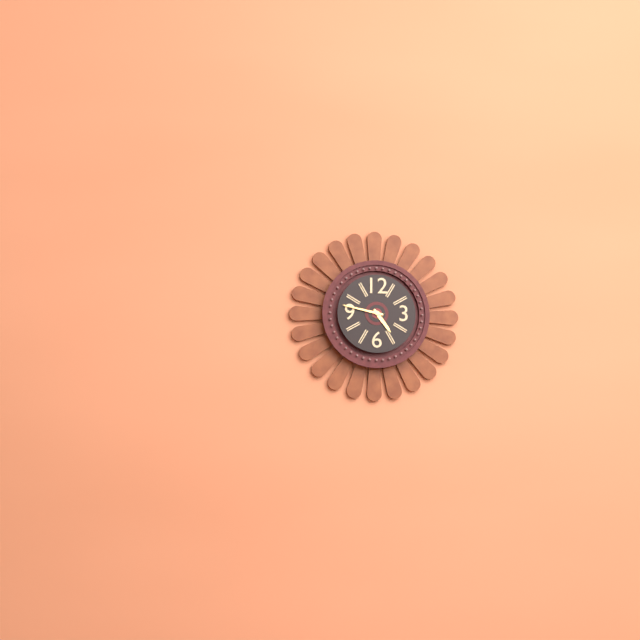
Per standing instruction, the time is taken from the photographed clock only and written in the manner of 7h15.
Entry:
4h47
